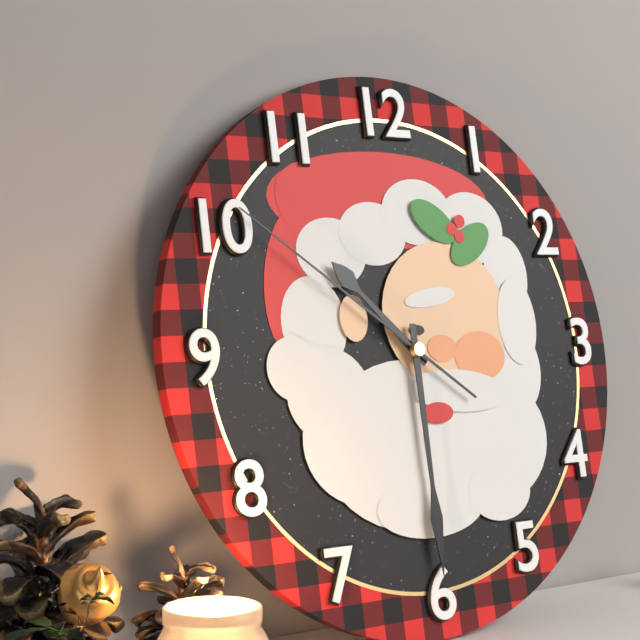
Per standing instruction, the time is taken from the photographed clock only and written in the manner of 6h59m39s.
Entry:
10h30m51s
